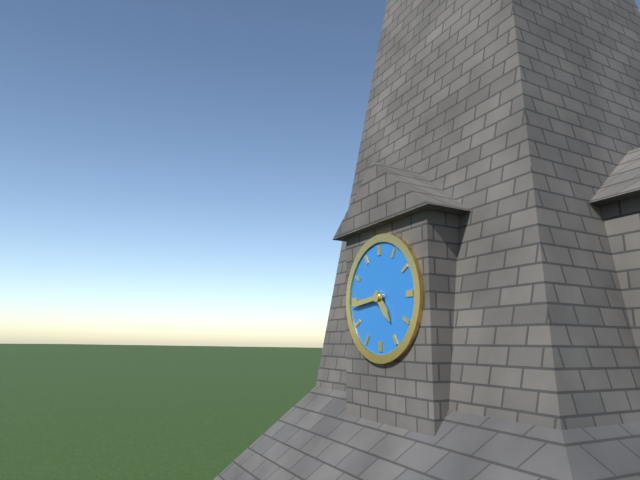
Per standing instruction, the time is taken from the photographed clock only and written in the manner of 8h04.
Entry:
4h44
